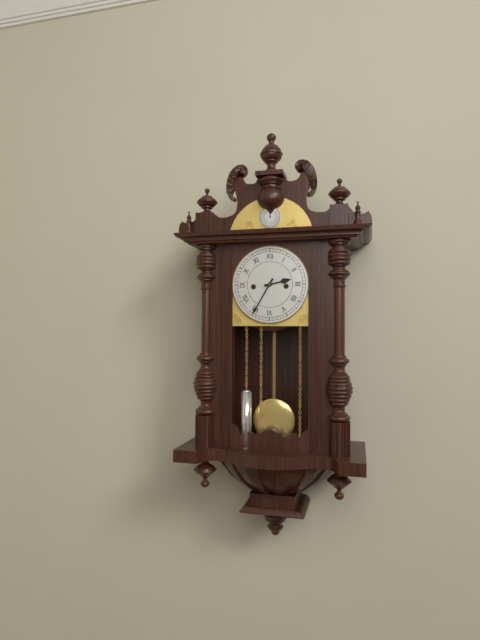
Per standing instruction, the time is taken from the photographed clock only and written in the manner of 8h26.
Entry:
2h35
